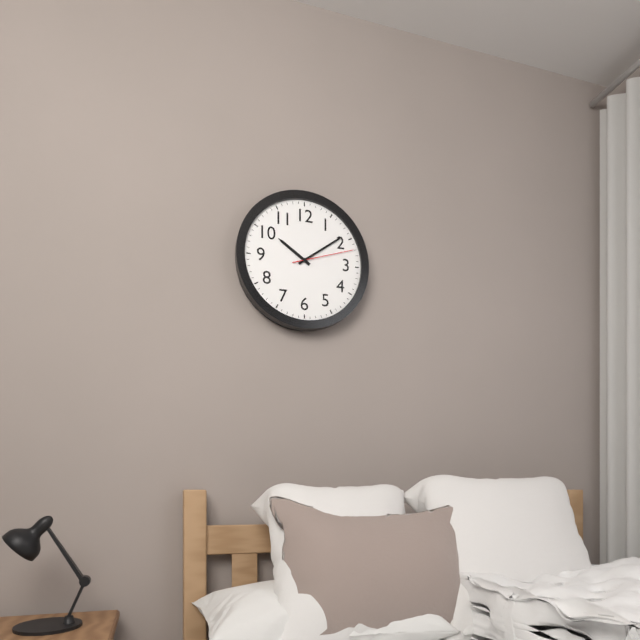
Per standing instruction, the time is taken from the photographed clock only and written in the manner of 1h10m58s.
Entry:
10h09m12s
